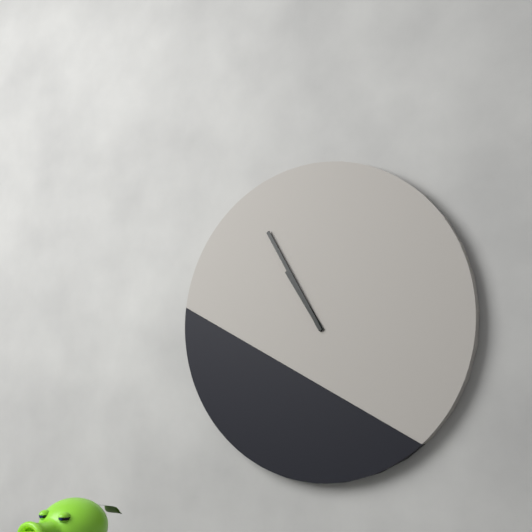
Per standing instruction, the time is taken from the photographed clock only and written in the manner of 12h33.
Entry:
10h55
